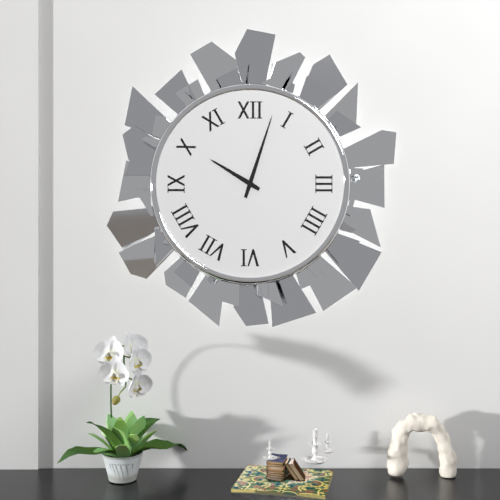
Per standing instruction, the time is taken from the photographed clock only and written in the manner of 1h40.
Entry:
10h03
